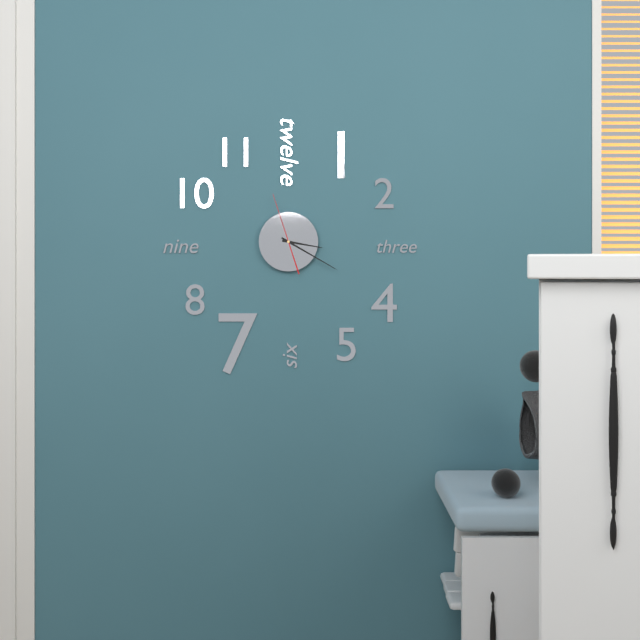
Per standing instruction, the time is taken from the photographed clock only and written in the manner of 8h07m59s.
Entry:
3h20m57s
